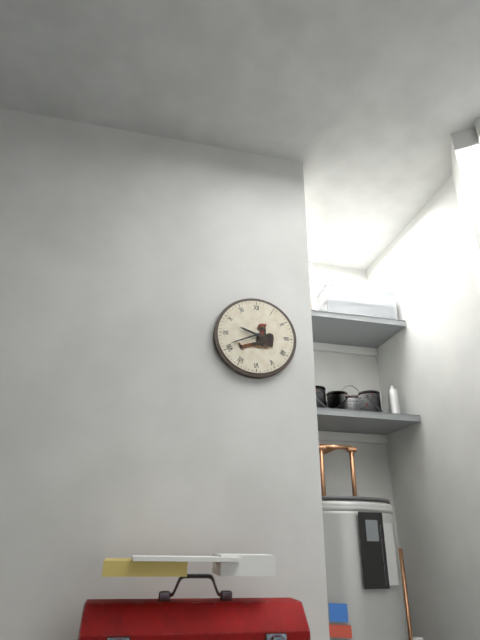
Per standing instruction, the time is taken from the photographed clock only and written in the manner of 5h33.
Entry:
9h41
